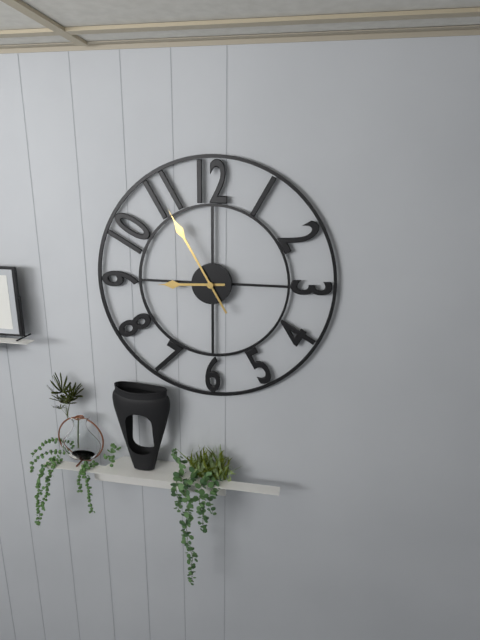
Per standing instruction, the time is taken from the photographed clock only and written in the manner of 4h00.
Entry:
8h55
